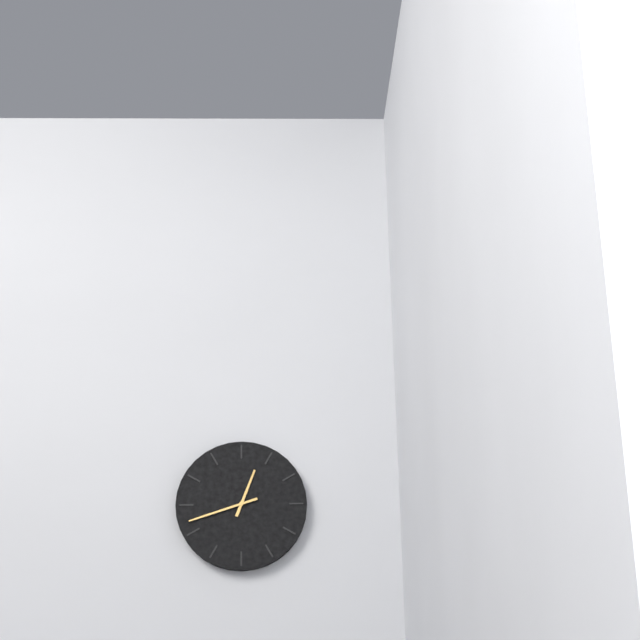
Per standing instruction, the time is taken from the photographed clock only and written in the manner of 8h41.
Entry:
12h42
